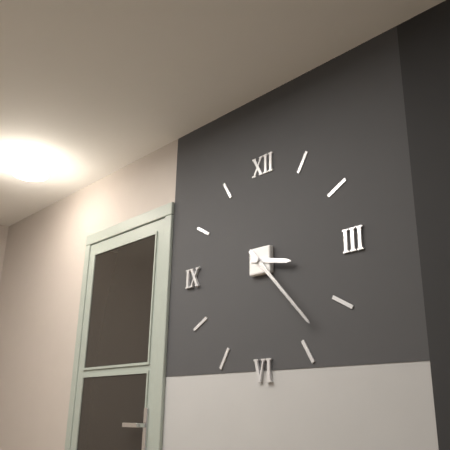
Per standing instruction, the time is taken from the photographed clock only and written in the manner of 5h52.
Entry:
3h23
